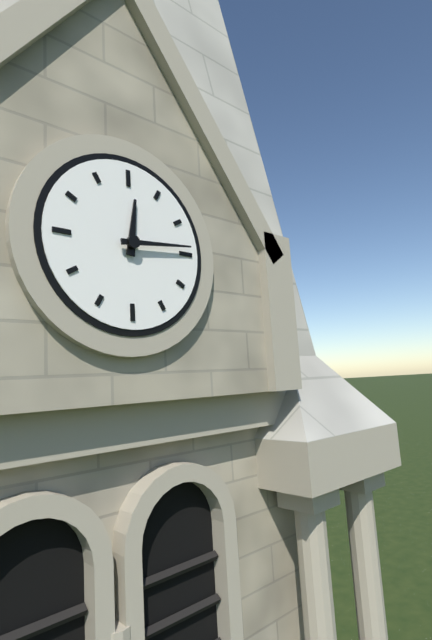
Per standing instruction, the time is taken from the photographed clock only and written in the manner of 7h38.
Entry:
12h14
